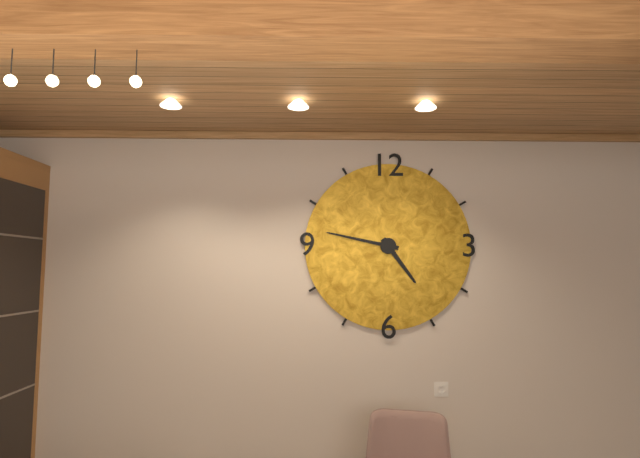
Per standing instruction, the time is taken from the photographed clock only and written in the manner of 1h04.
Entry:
4h47
